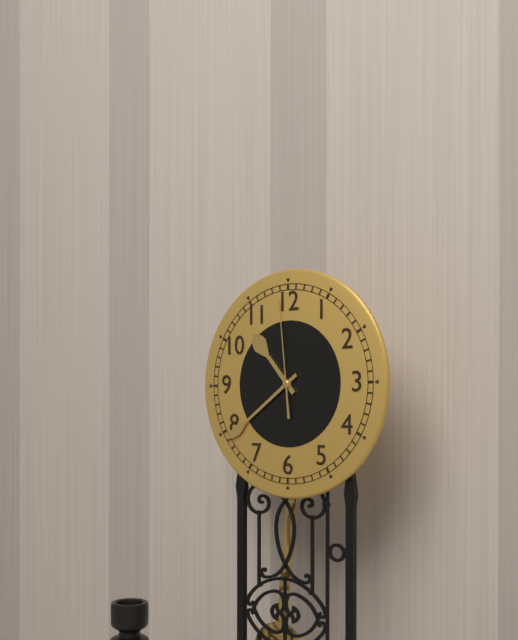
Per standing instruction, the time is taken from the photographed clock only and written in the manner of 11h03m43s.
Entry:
10h39m59s
